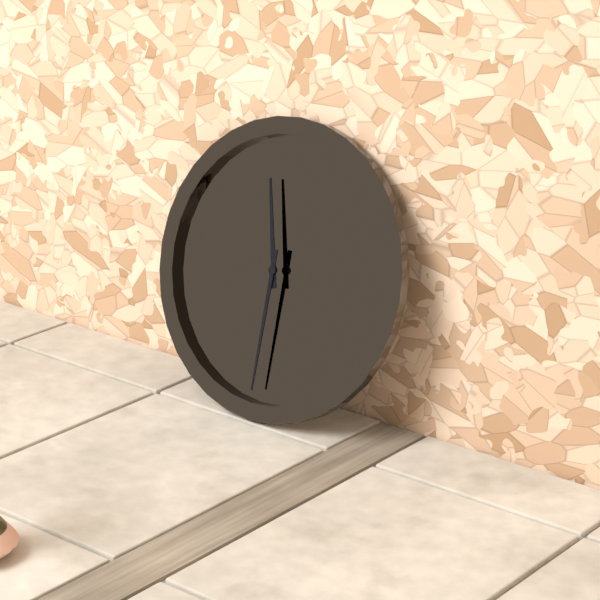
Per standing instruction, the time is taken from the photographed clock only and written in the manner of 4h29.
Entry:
11h30
